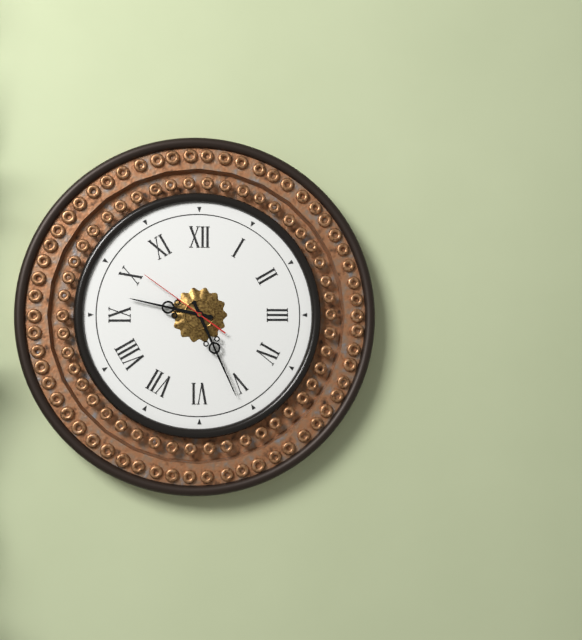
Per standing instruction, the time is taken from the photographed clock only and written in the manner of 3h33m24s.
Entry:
9h26m51s
